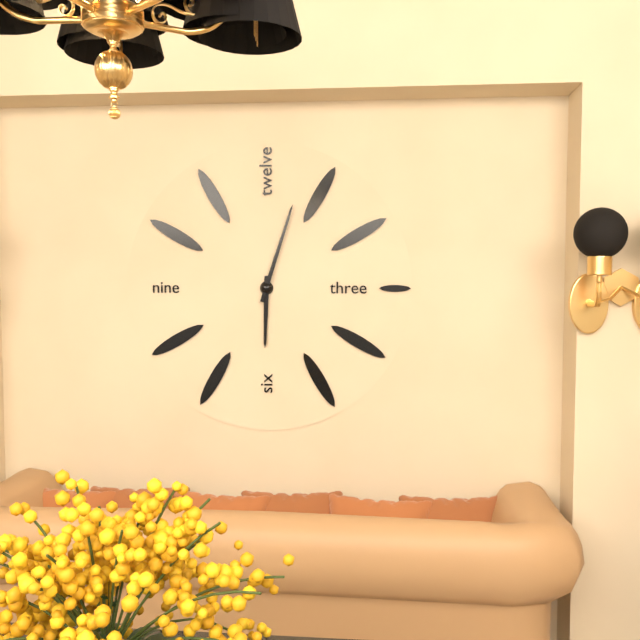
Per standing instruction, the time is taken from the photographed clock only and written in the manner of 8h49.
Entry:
6h03
